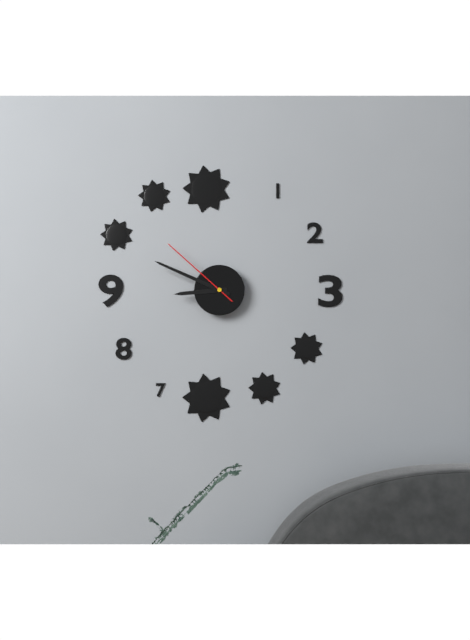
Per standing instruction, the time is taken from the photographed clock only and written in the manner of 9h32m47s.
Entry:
8h49m52s
